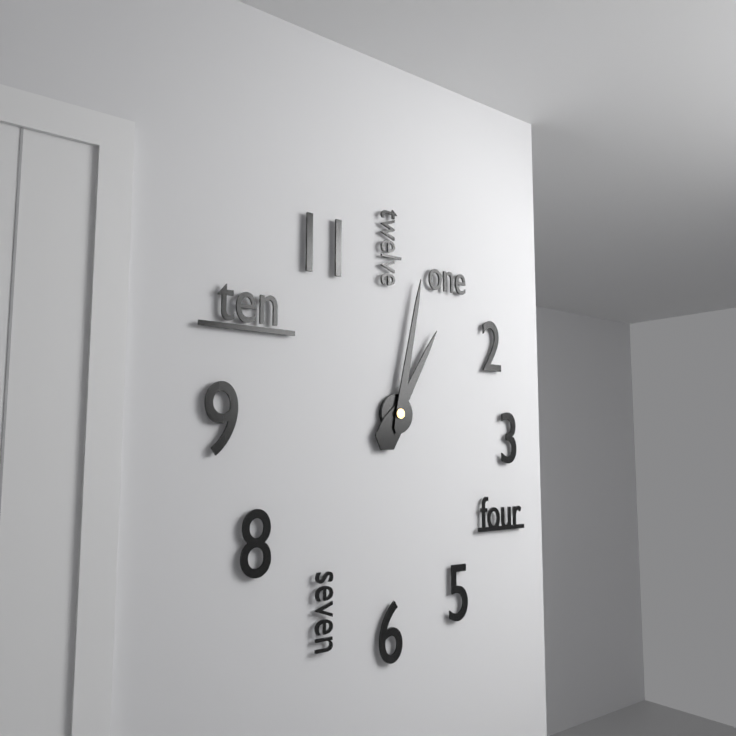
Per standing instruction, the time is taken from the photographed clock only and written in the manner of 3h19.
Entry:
1h02
